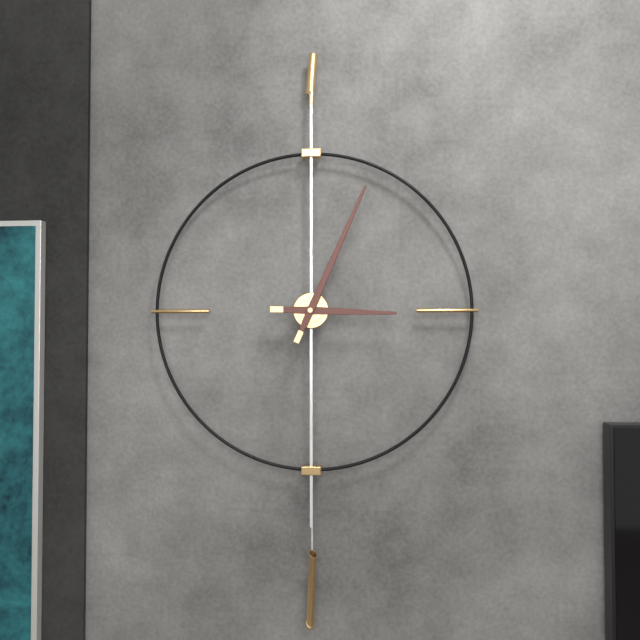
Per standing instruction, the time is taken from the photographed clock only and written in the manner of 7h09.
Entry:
3h04
